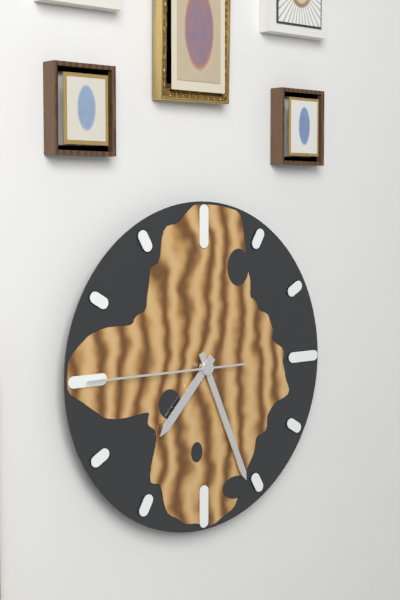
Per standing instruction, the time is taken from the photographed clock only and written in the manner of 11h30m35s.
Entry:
7h26m45s
